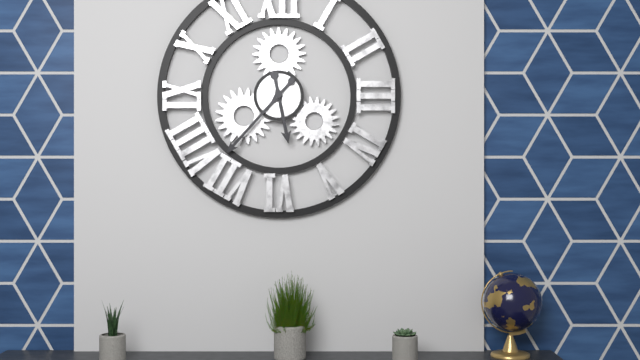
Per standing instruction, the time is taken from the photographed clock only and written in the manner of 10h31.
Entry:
5h37
